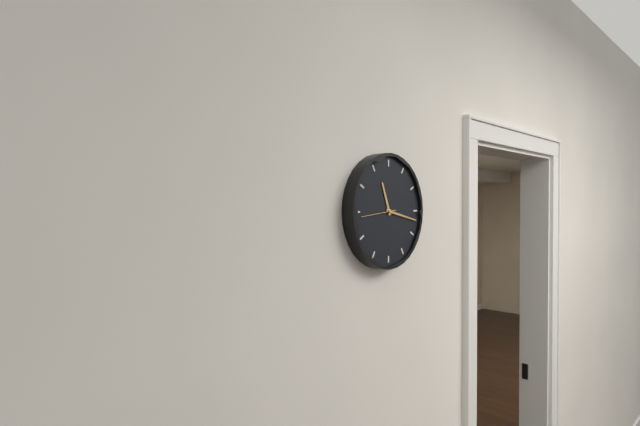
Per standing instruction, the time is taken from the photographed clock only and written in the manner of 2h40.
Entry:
11h17
